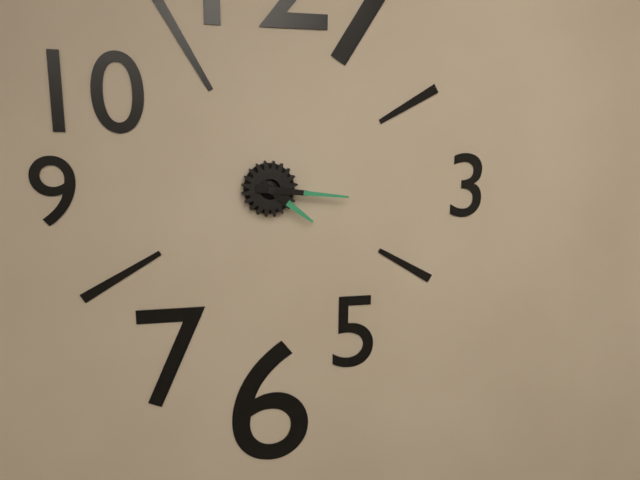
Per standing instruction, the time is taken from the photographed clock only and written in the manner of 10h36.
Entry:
4h16
